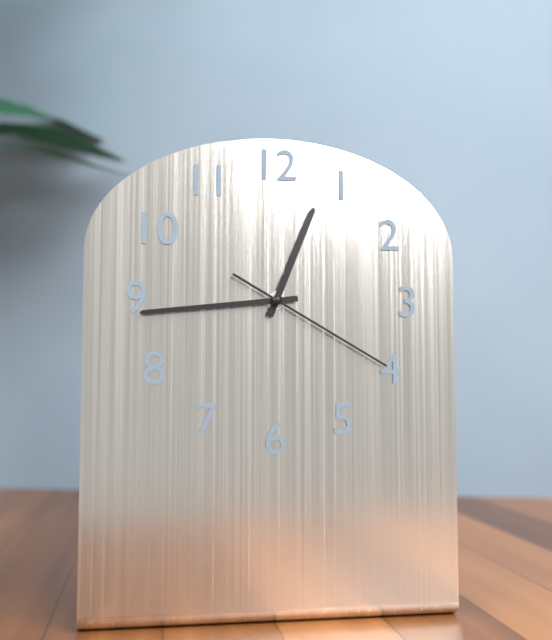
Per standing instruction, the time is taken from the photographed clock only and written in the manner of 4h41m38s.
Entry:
12h44m20s
